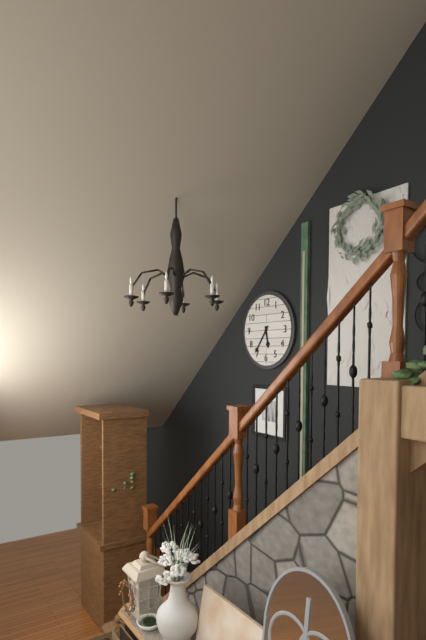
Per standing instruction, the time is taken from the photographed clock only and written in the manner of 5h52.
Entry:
5h36
